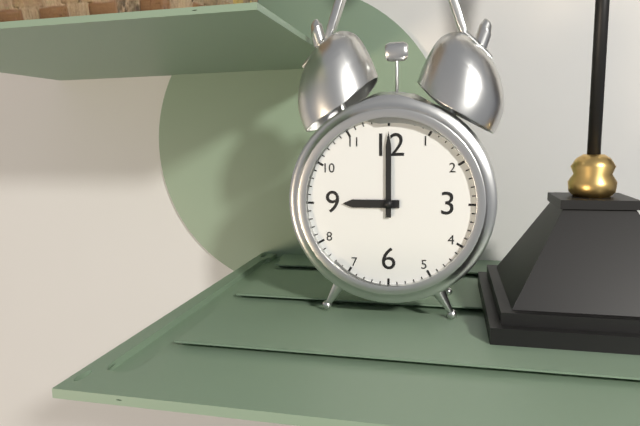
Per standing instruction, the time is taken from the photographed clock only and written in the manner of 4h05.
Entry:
9h00
